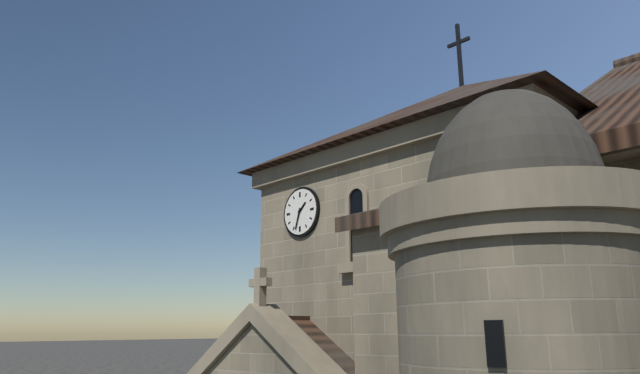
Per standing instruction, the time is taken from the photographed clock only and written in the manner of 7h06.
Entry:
1h33
